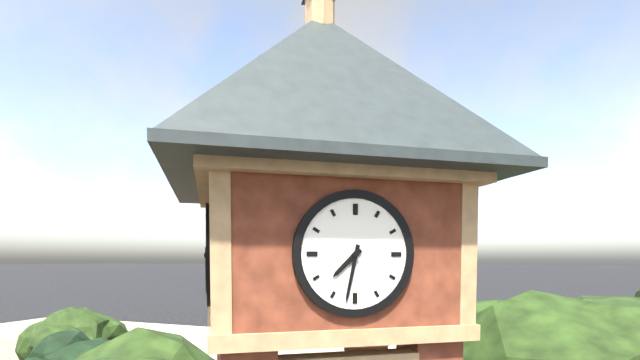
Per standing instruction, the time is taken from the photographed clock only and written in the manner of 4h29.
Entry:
7h32
